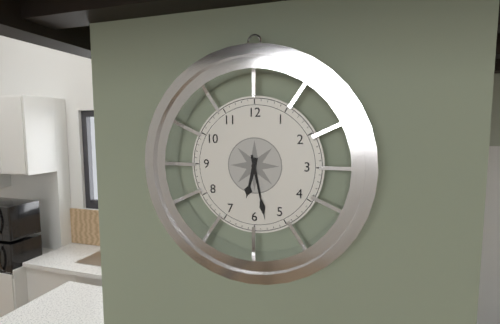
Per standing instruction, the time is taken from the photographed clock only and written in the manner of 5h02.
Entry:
6h28
